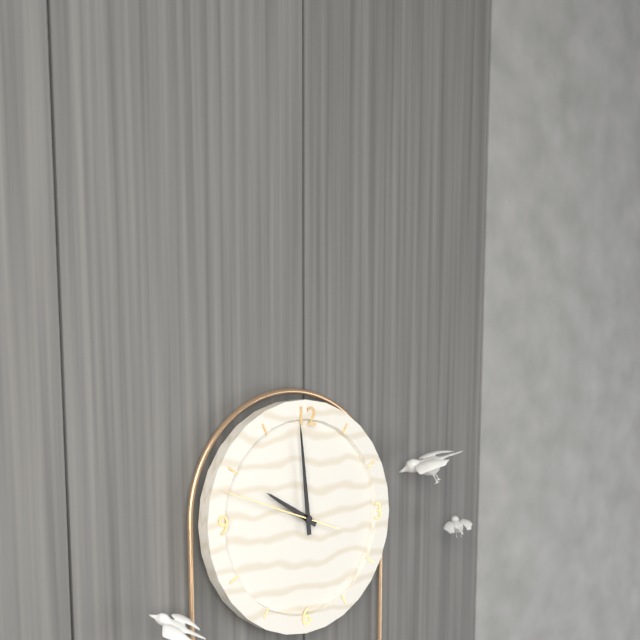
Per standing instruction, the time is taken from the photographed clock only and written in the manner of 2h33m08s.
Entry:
9h59m48s
